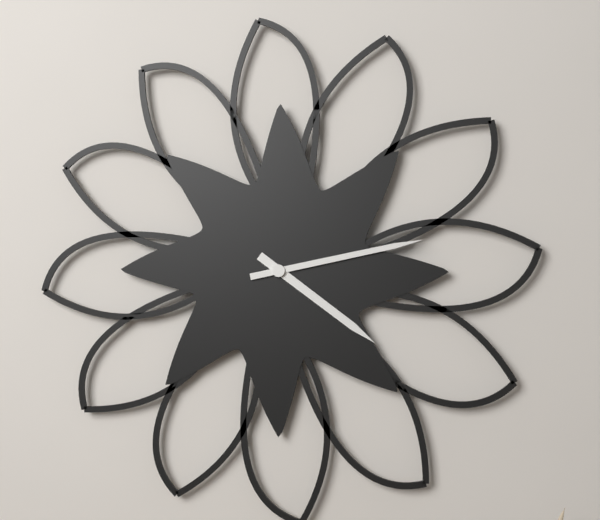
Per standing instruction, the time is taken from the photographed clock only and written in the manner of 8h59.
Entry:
4h13
